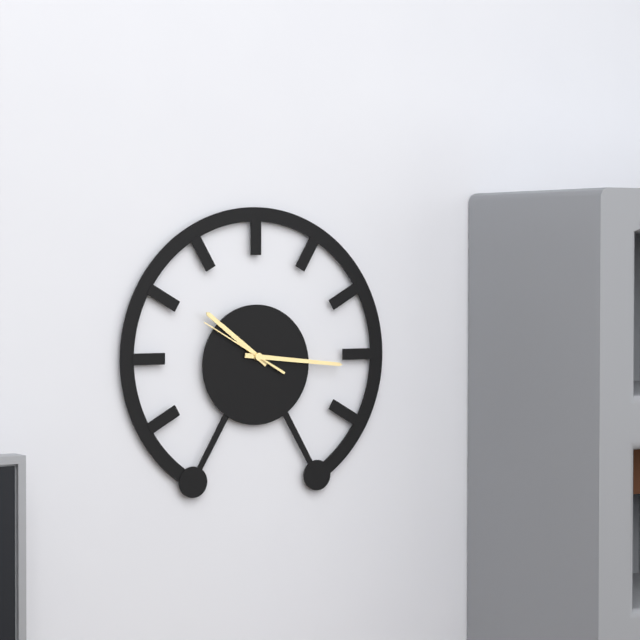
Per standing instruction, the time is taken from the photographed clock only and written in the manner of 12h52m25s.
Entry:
10h16m50s
